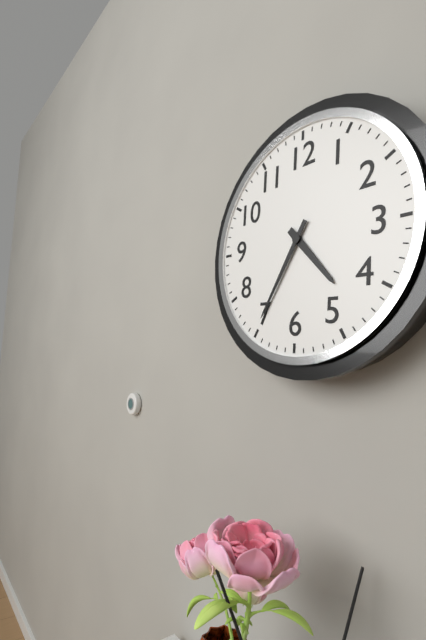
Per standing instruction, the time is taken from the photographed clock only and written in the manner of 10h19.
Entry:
4h35
